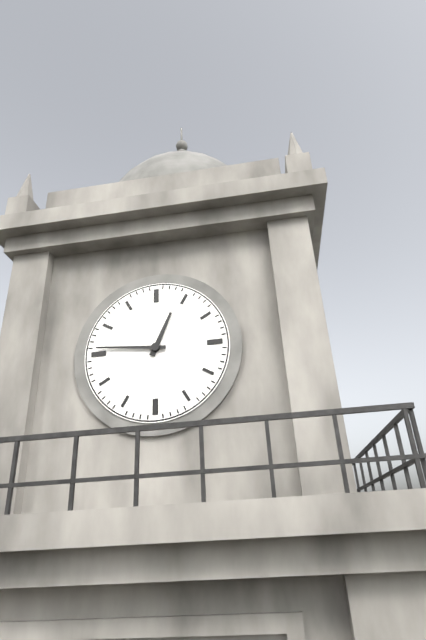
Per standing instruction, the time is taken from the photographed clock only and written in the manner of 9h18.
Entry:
12h46
